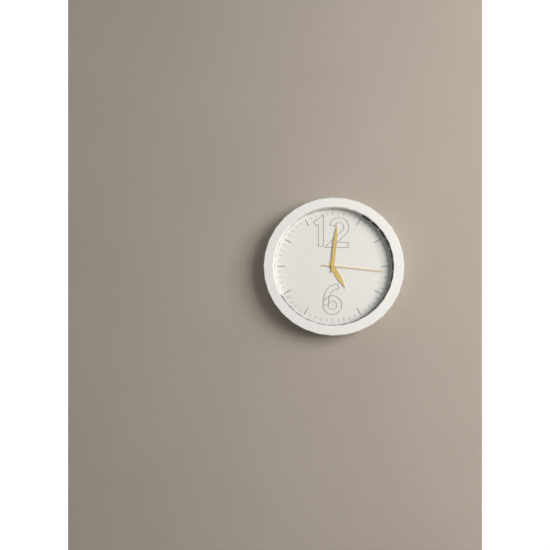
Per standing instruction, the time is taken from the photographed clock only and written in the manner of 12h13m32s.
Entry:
5h01m16s
